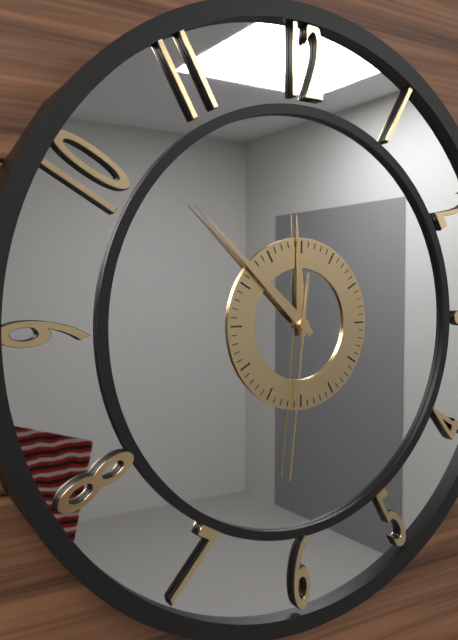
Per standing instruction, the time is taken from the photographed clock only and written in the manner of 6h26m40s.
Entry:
11h52m31s
